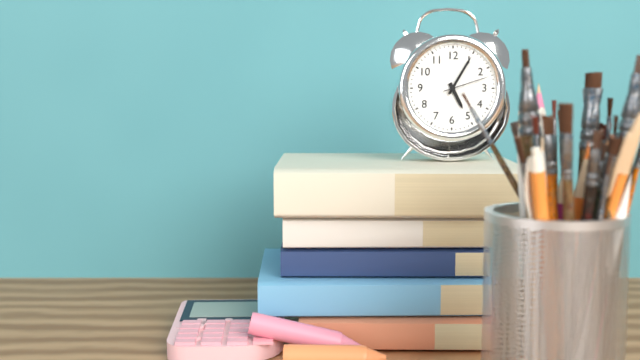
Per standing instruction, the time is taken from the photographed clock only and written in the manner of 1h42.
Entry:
5h05
